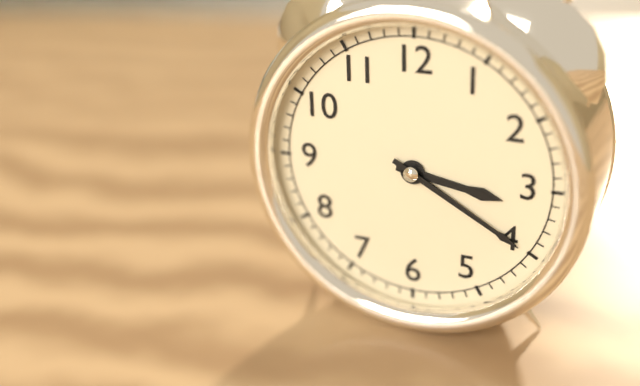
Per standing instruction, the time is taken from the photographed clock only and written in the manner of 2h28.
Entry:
3h20
